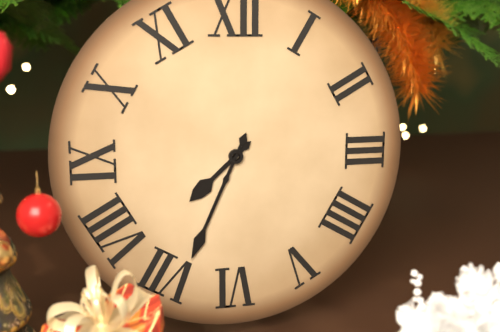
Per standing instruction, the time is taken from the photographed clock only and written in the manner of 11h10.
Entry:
7h34
